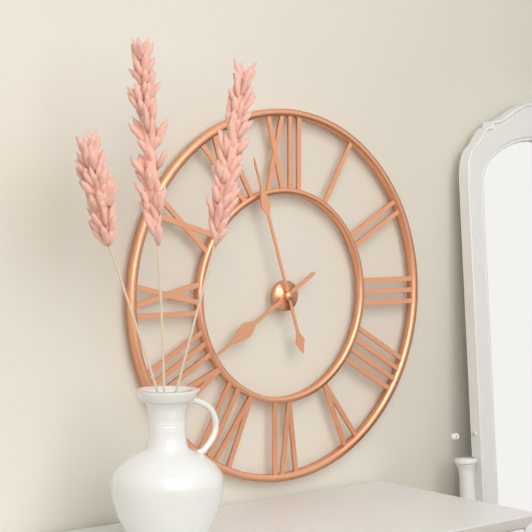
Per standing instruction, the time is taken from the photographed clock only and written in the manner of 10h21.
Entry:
7h57
